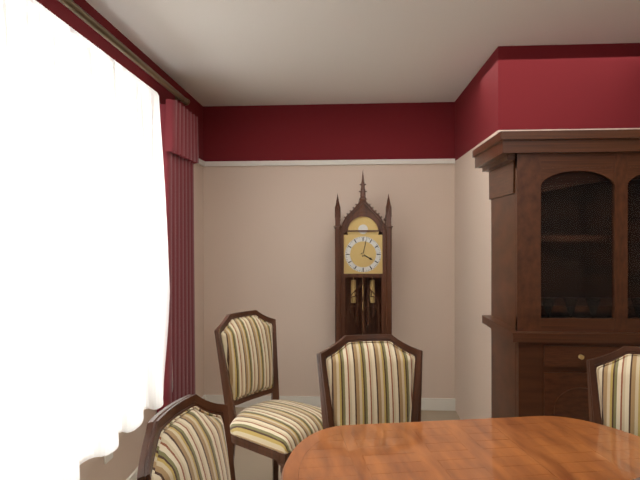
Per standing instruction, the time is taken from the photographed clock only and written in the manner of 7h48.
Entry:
4h02
